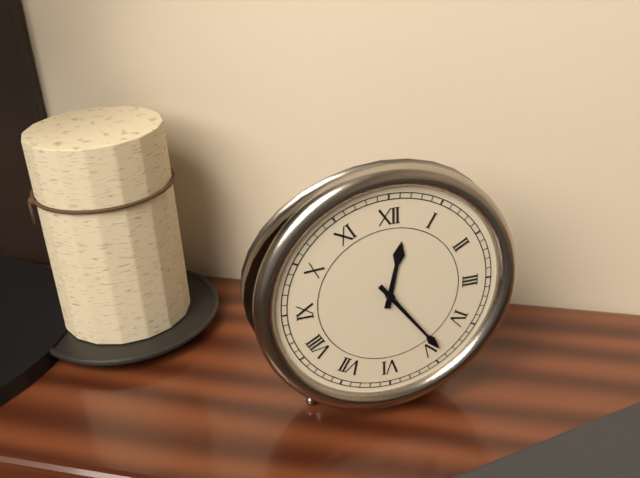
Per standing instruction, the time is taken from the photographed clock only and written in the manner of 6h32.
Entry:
12h24
